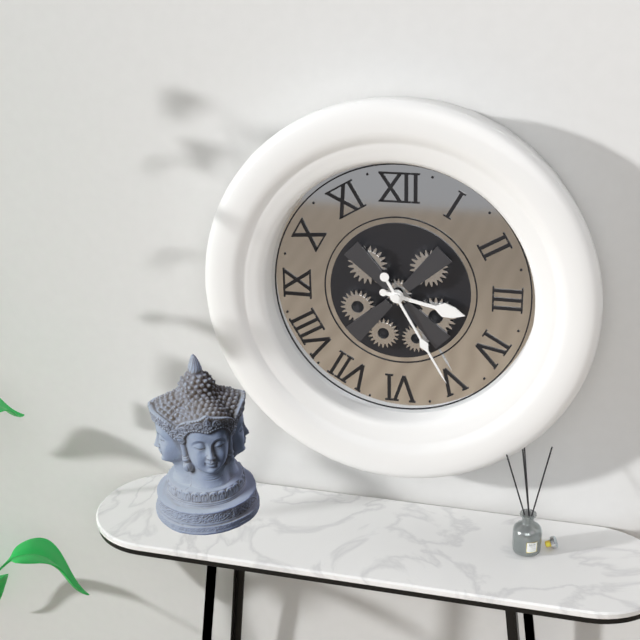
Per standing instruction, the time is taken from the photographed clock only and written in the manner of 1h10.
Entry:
3h25
